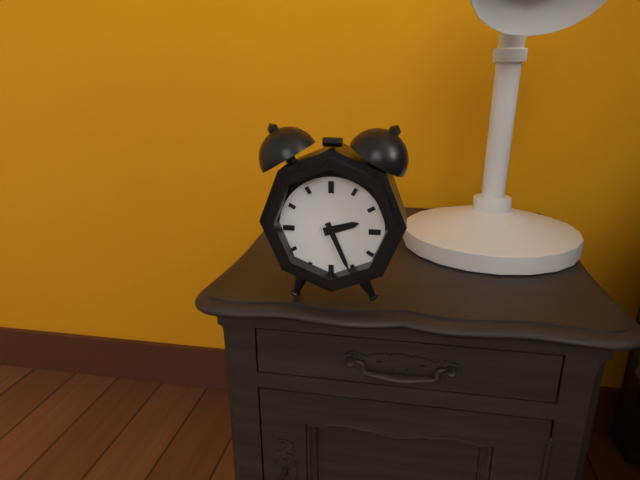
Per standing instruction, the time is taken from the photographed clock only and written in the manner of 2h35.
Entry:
2h26
